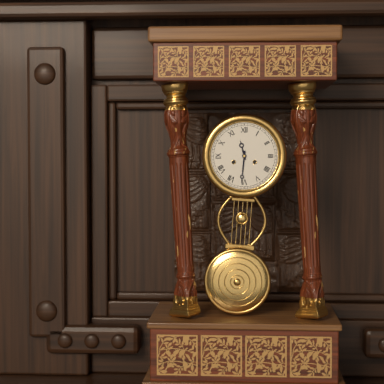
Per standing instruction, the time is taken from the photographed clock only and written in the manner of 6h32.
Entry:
11h31
